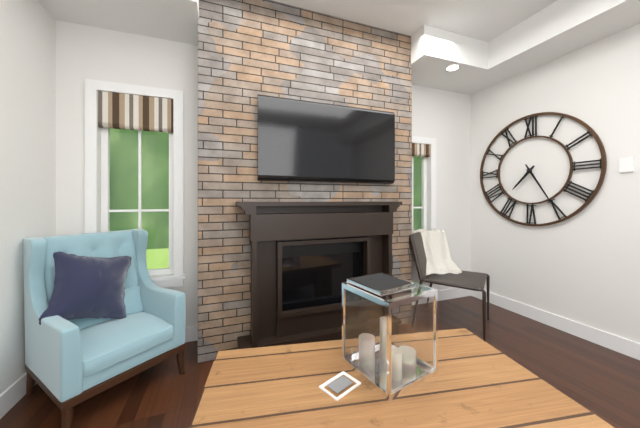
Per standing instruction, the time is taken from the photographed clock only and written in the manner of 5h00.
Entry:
7h25
